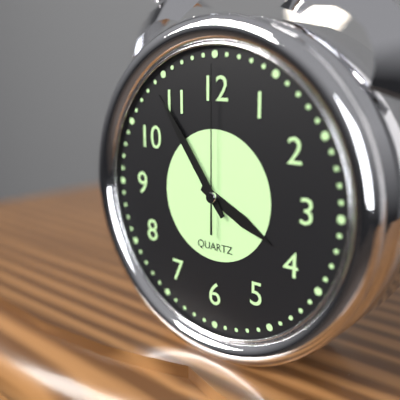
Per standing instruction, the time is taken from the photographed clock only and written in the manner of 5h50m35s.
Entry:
3h54m00s
